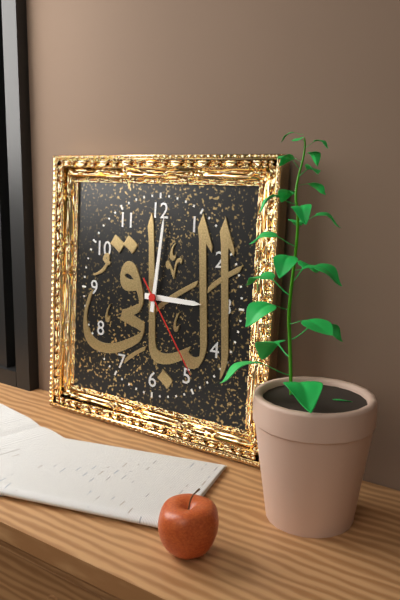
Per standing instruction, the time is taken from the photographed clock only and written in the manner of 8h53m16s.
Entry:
3h01m24s
